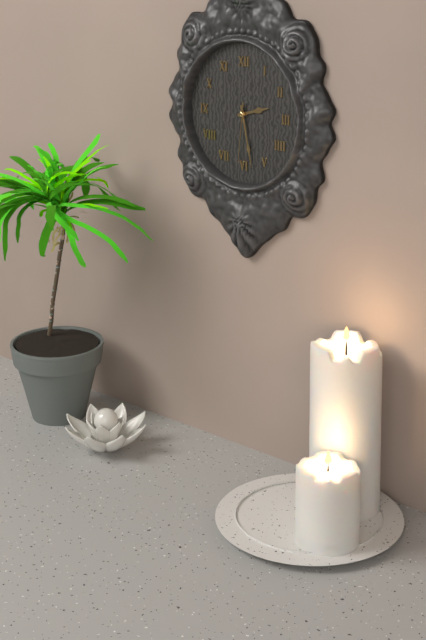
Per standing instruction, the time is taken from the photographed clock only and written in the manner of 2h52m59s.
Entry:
2h28m31s
